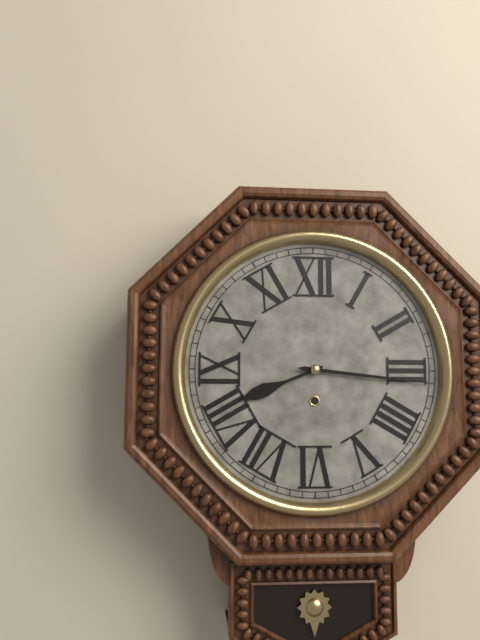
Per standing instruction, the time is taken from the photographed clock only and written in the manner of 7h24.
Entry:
8h16
